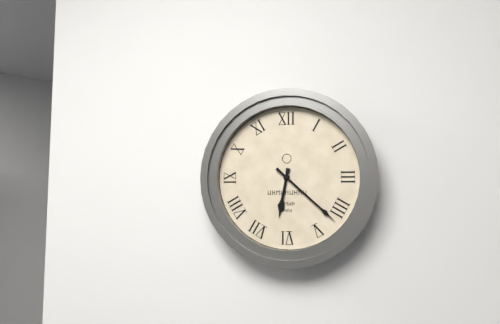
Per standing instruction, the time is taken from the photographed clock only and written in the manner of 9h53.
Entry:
6h22
